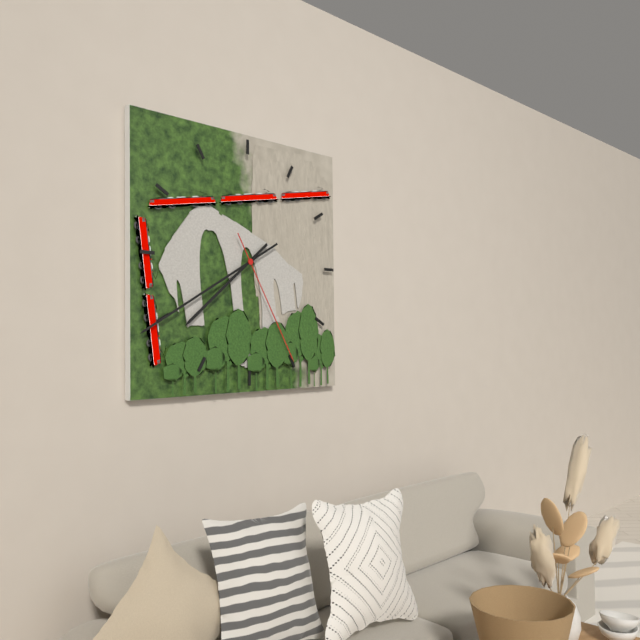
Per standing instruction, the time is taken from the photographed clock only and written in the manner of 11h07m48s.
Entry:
7h40m25s
